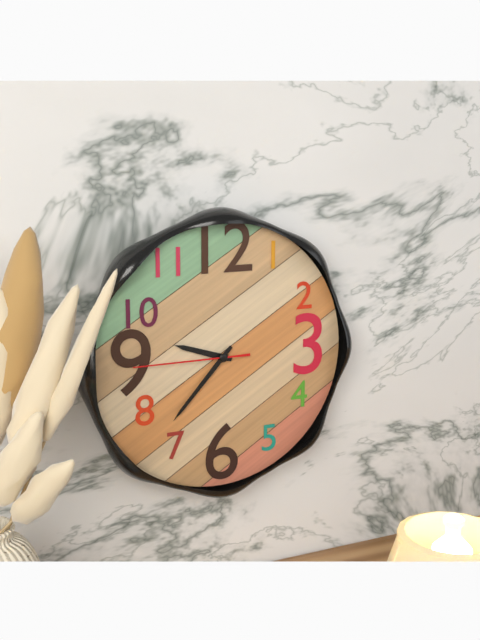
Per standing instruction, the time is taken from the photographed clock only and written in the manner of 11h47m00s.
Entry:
9h37m45s
